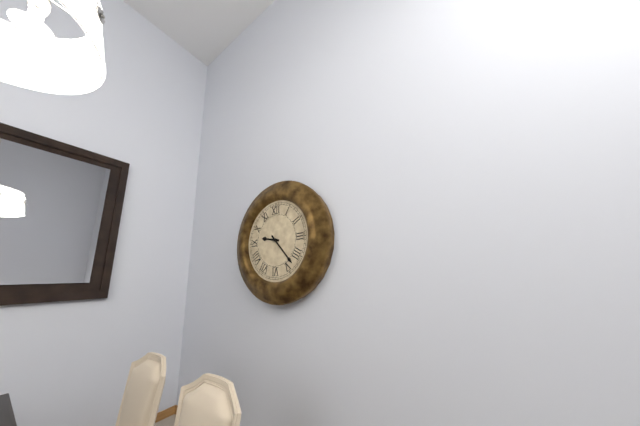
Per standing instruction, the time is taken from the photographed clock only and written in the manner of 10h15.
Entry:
9h23
